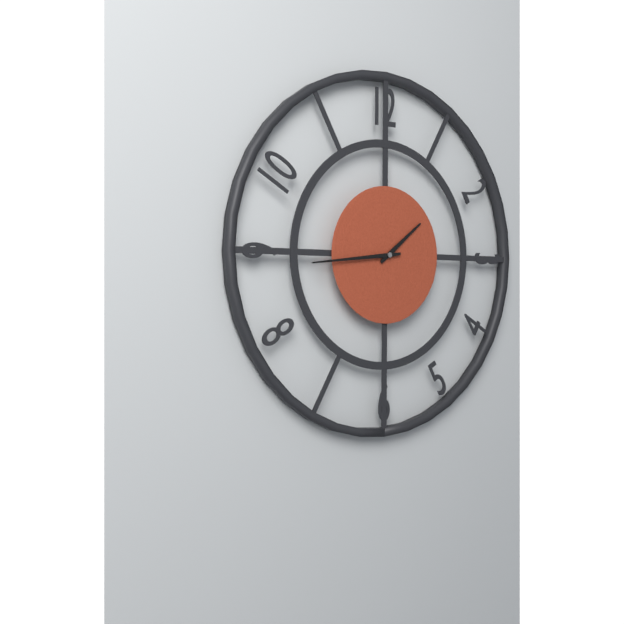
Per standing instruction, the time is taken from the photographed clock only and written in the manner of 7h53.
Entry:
1h44
